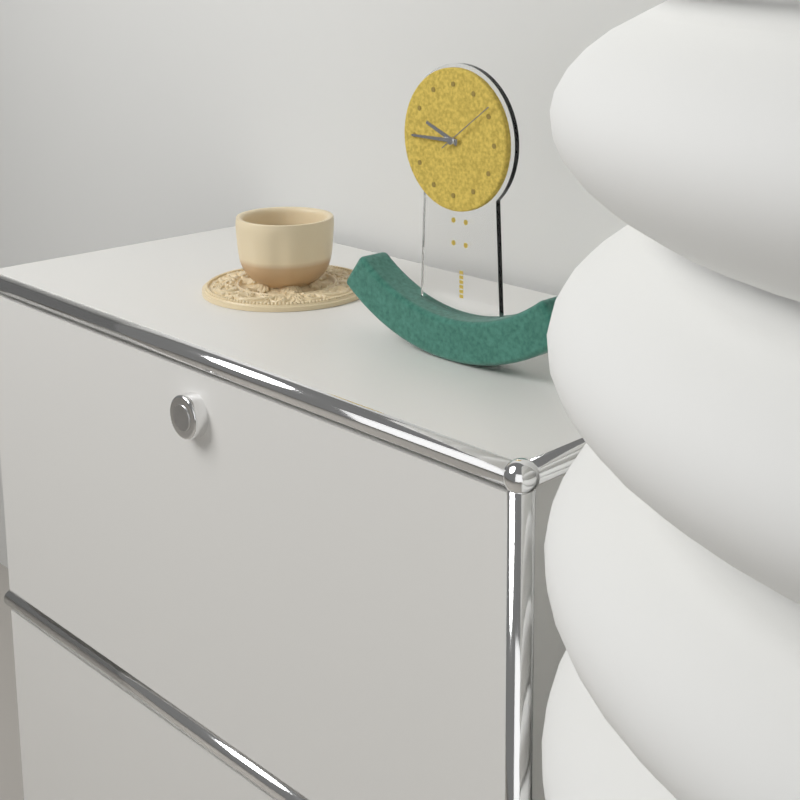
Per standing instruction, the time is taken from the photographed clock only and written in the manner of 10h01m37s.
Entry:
9h45m09s
